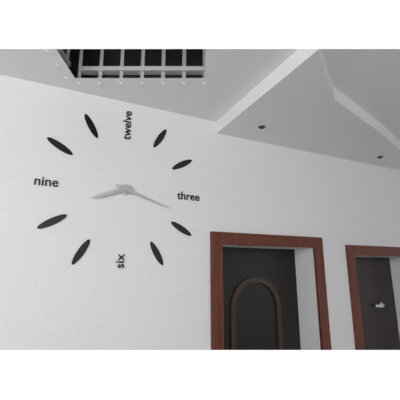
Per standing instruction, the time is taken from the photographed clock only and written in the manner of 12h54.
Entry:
8h18
